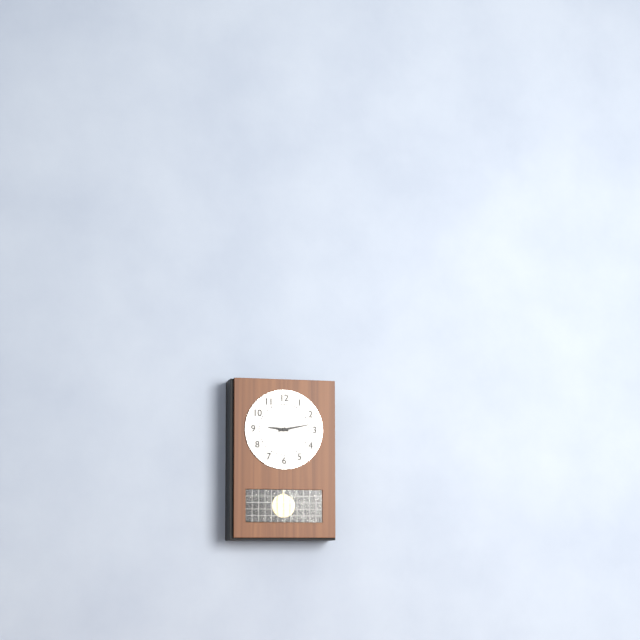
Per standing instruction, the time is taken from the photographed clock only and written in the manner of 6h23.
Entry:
9h13
